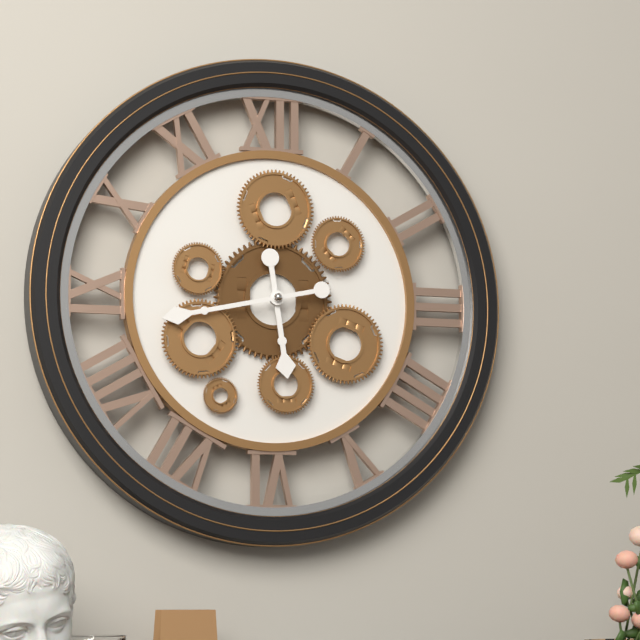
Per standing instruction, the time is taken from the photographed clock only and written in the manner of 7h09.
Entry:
5h43
